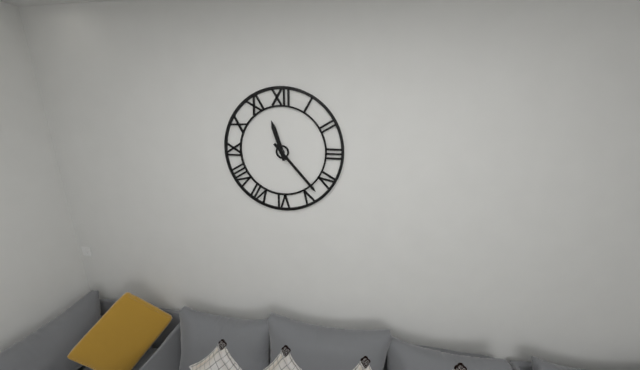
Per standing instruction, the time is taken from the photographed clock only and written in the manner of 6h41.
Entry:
11h23
